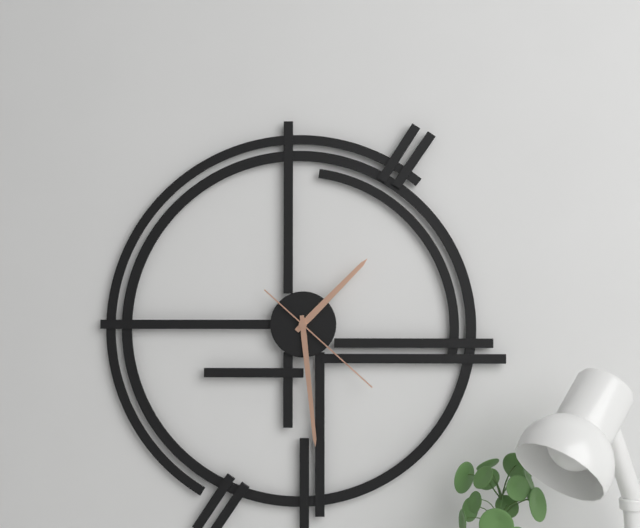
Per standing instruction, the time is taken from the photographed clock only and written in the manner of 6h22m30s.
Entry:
1h29m22s
